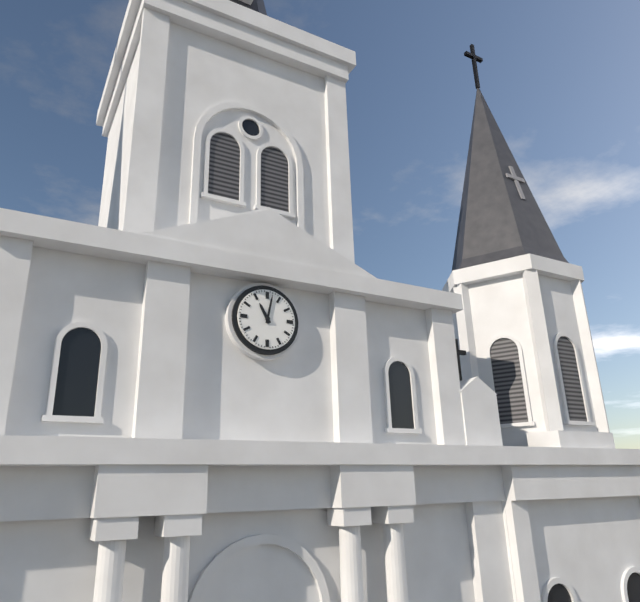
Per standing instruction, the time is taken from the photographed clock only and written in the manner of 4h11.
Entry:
11h02
